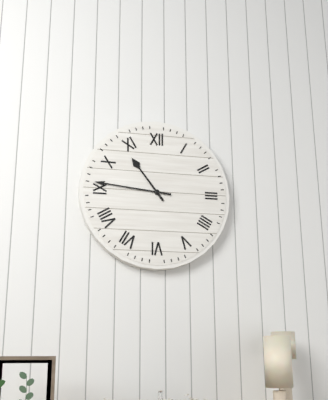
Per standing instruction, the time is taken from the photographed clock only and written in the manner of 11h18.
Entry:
10h46
